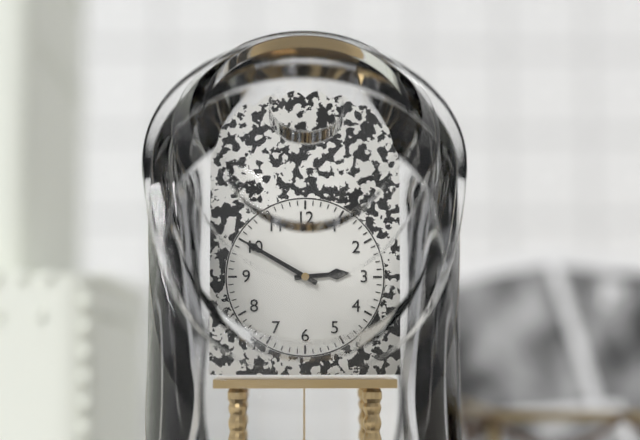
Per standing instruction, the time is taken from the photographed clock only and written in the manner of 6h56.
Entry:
2h50
